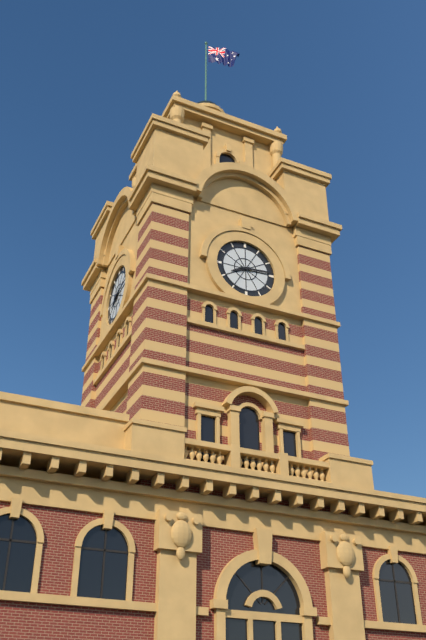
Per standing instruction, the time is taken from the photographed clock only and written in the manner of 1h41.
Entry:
8h14
